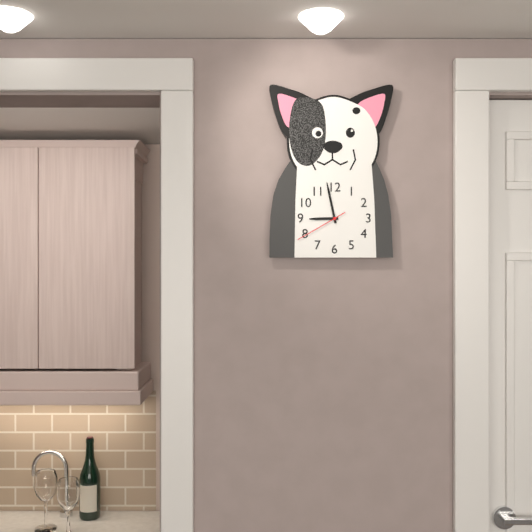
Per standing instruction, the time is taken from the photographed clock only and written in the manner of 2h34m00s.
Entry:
8h58m40s
